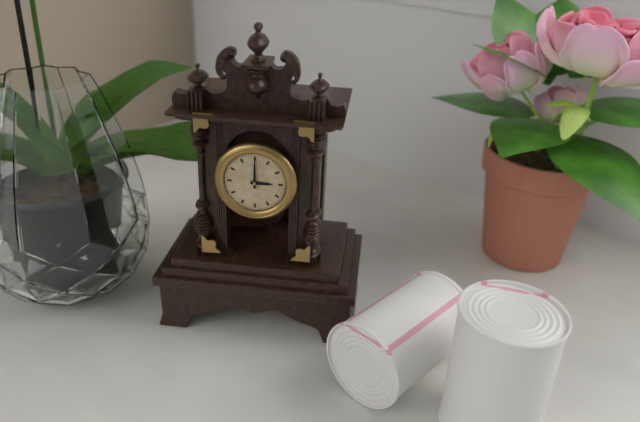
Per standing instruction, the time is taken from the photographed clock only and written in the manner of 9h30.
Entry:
3h00
